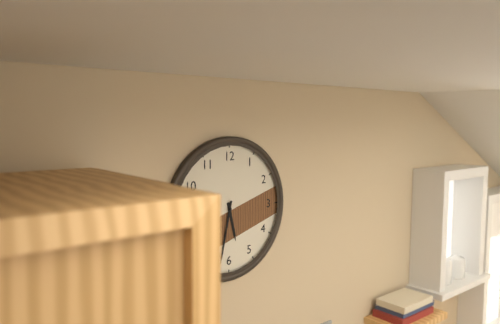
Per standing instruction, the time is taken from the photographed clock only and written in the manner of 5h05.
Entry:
5h32
